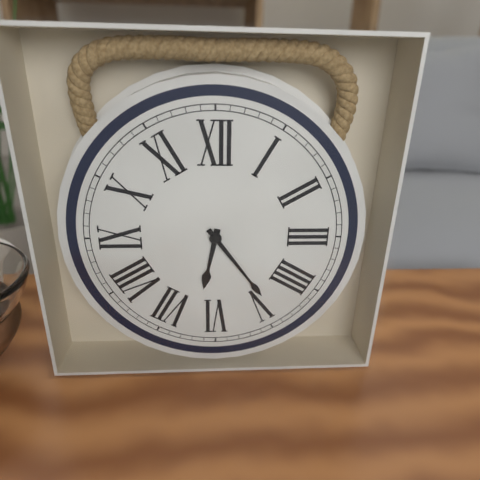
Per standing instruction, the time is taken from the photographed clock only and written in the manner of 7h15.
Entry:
6h24
